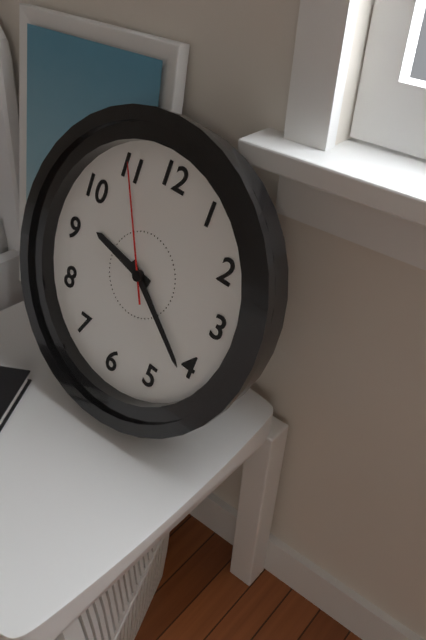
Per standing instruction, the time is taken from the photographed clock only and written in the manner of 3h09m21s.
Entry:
9h21m55s
